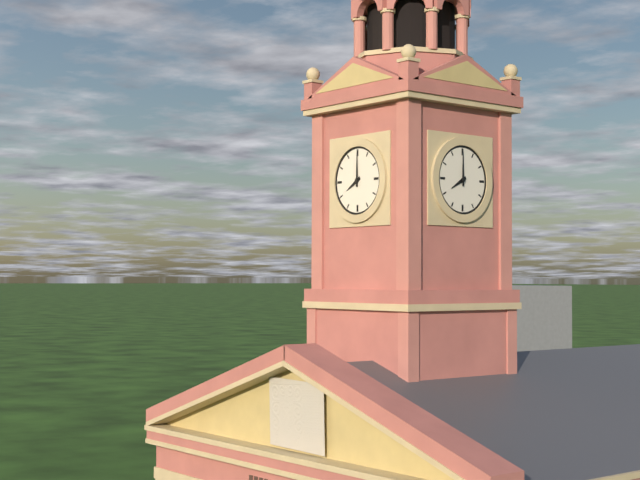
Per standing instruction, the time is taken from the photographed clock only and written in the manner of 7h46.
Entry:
8h00
